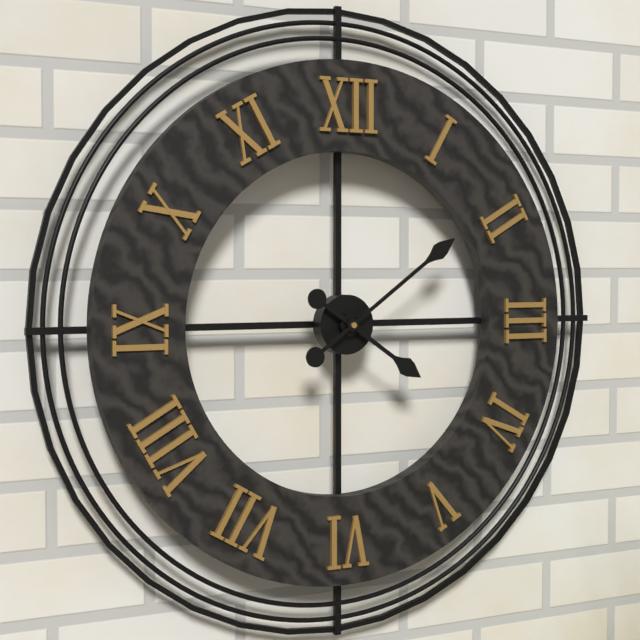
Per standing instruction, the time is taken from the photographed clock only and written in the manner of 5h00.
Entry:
4h09
